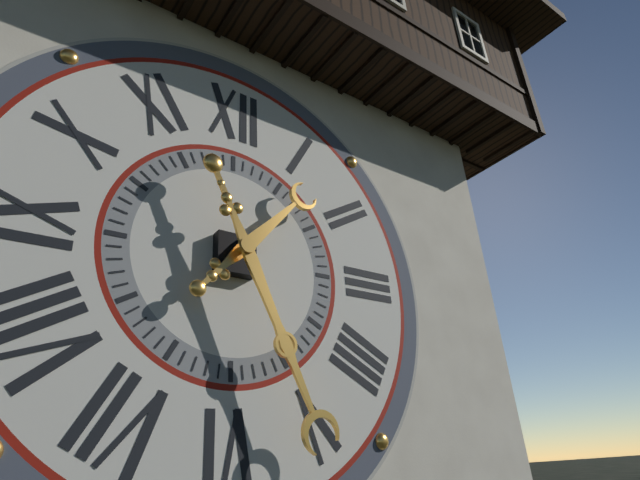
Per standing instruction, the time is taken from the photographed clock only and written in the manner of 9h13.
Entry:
1h26
